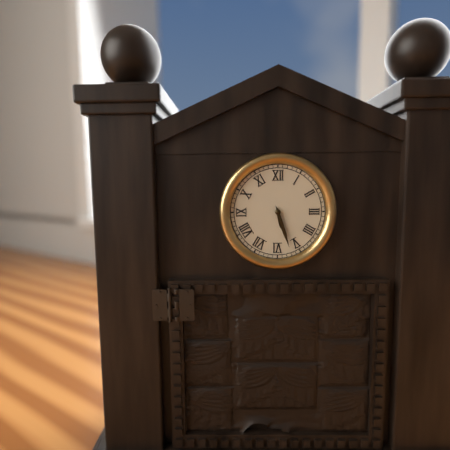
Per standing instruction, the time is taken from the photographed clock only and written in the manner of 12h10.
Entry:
5h27
